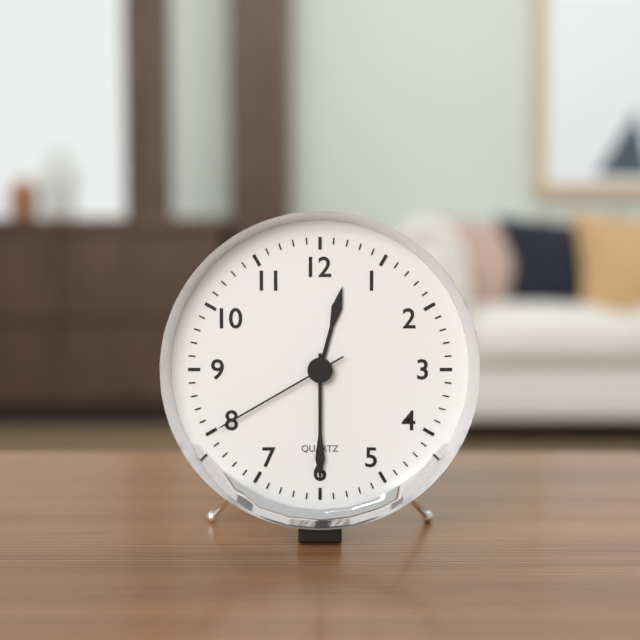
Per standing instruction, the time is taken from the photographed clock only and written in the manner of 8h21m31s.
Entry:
12h30m40s
